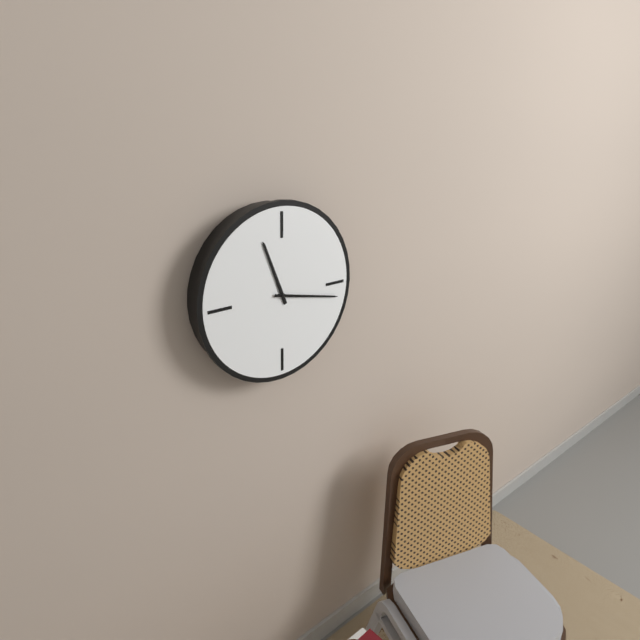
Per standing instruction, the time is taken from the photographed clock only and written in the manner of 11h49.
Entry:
11h17
